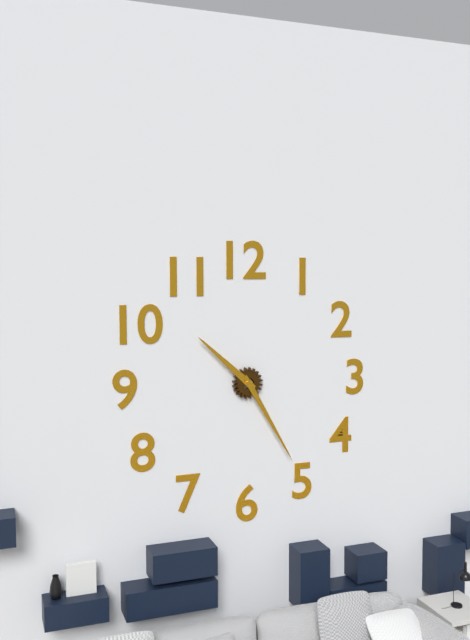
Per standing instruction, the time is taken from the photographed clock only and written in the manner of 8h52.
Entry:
10h25
